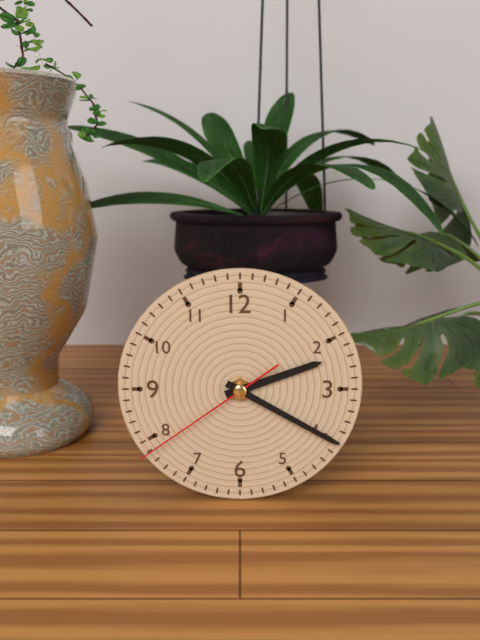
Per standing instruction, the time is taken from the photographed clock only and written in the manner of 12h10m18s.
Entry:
2h20m39s
